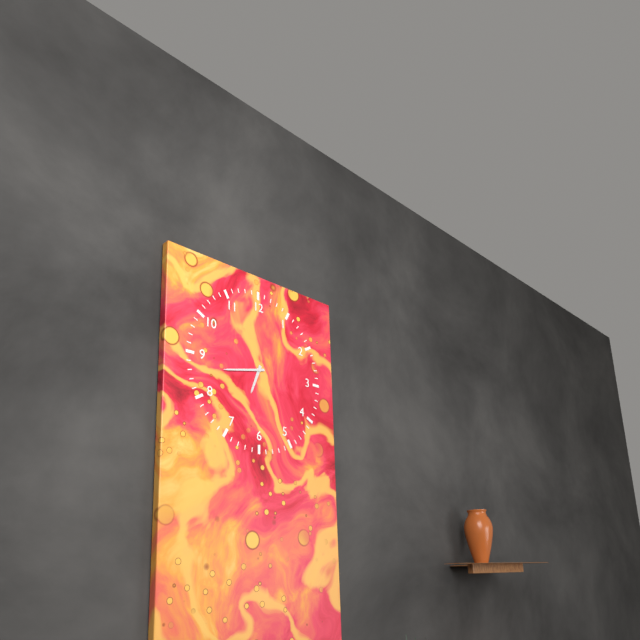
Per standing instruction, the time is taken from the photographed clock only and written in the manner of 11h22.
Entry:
6h43
